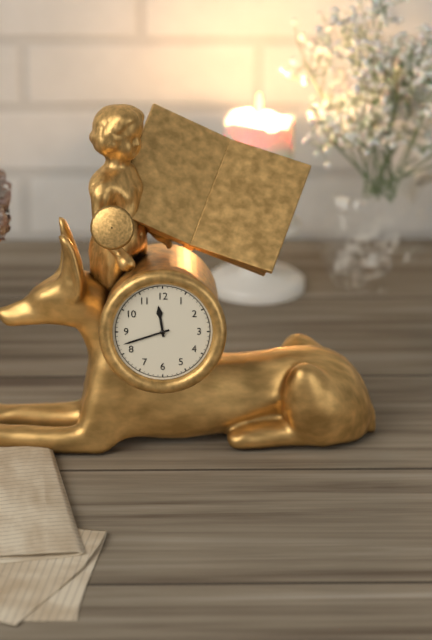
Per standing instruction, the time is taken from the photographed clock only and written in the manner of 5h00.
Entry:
11h42
